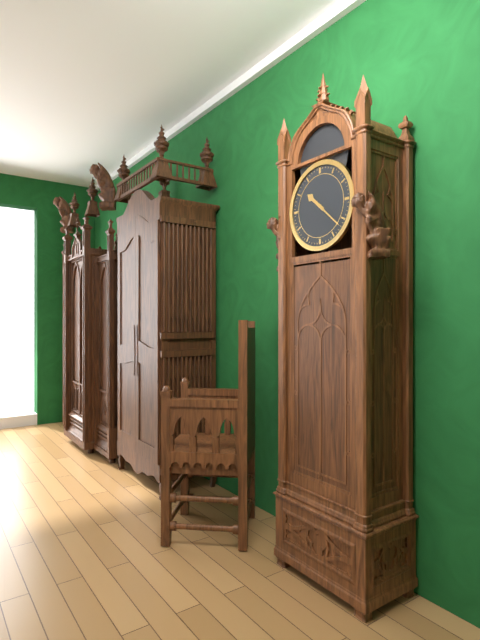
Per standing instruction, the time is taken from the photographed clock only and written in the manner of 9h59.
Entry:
10h22
